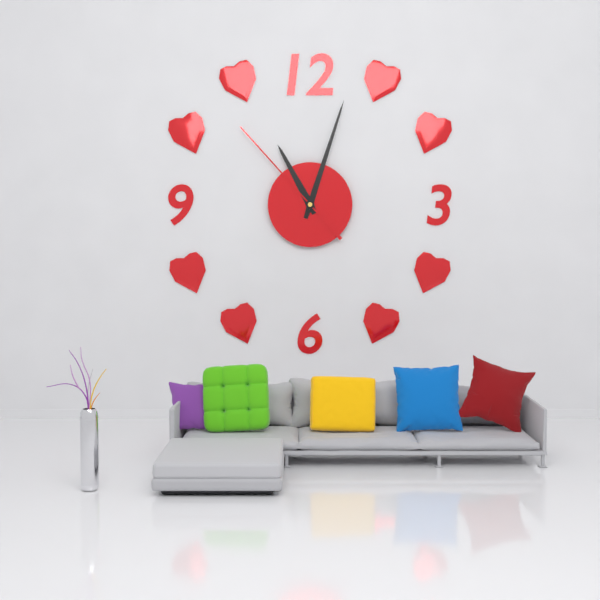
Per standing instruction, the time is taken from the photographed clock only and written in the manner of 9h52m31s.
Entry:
11h03m53s
